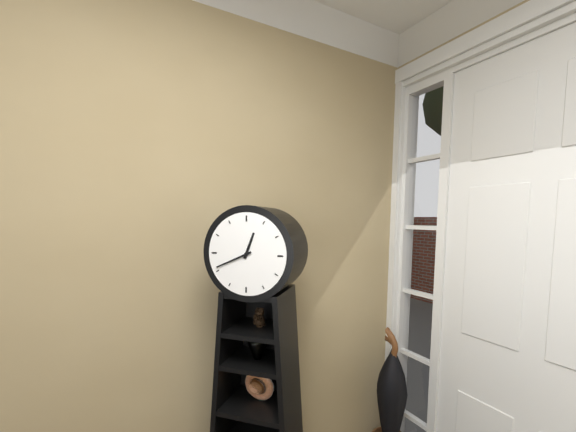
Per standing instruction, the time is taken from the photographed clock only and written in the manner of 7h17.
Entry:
12h41
